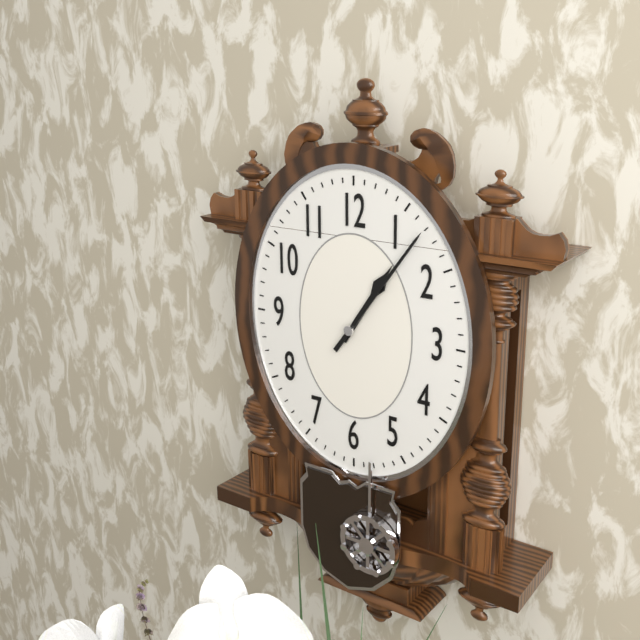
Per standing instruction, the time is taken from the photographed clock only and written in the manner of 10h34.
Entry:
1h06
